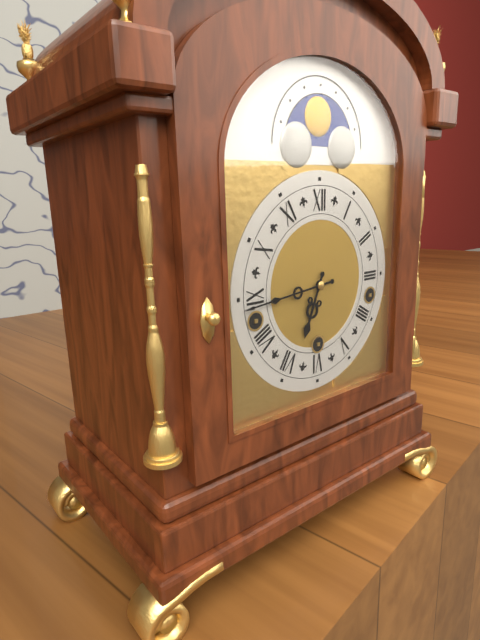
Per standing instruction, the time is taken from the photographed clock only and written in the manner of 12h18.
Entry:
6h44
